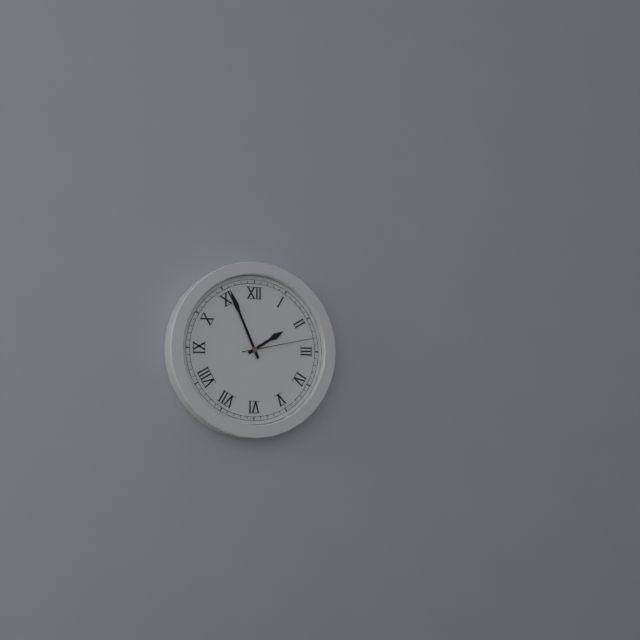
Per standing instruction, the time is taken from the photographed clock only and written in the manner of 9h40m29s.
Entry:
1h56m13s
